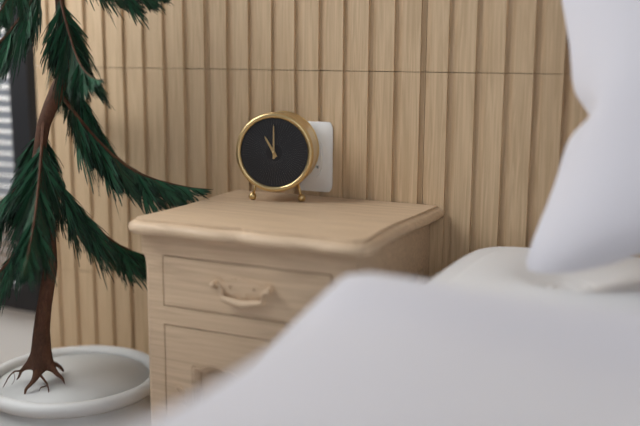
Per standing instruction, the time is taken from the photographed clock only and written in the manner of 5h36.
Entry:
11h00
